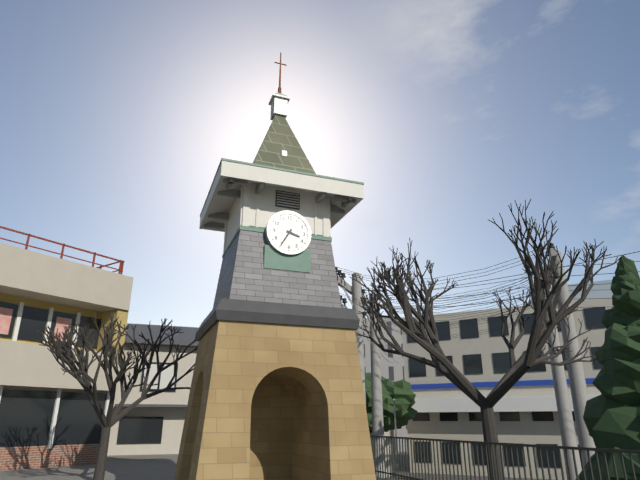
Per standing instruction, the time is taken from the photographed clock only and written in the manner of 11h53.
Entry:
3h35
